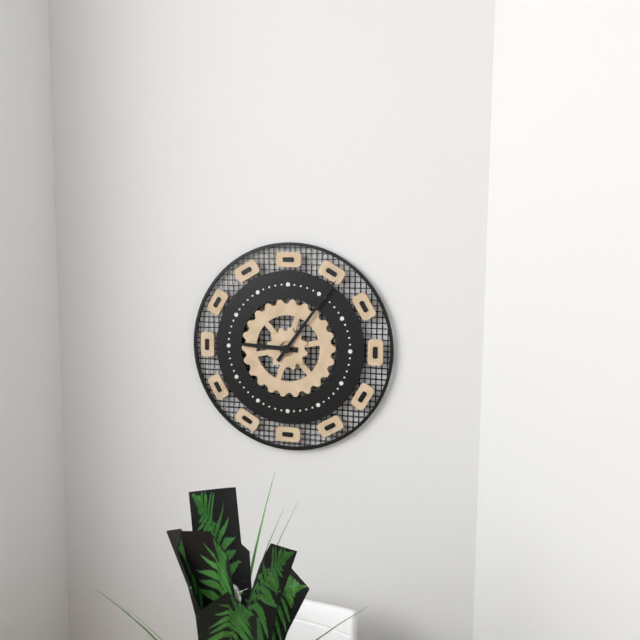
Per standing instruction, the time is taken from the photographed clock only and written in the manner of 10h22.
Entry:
9h06
